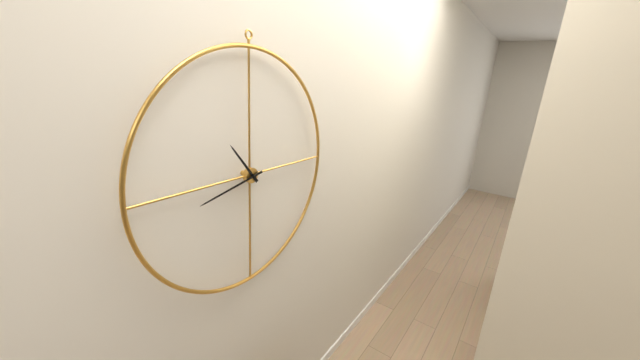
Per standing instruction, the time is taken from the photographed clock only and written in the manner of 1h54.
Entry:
10h43
